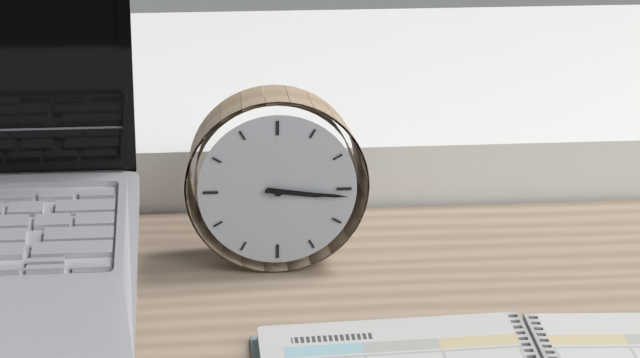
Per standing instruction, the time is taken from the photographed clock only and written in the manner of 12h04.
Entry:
3h16
